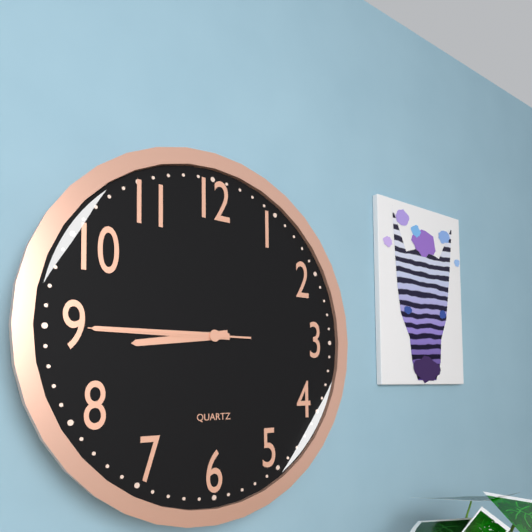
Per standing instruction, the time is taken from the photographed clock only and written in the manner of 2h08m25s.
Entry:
8h45m45s
